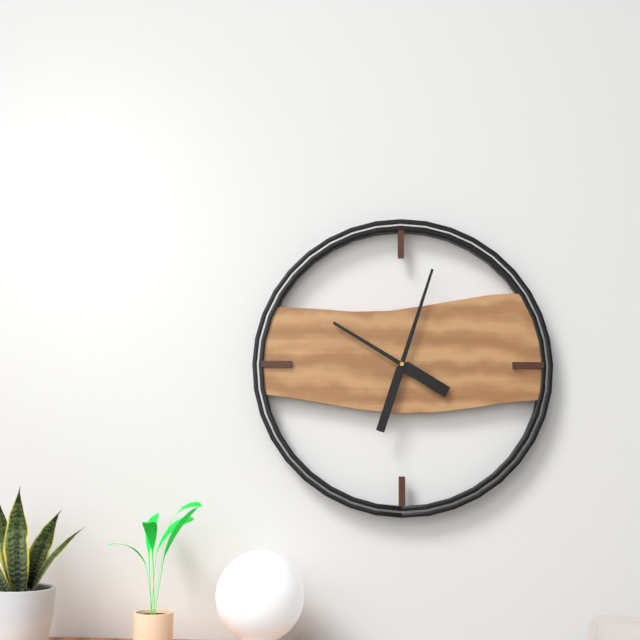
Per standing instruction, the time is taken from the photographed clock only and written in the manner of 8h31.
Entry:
10h03
